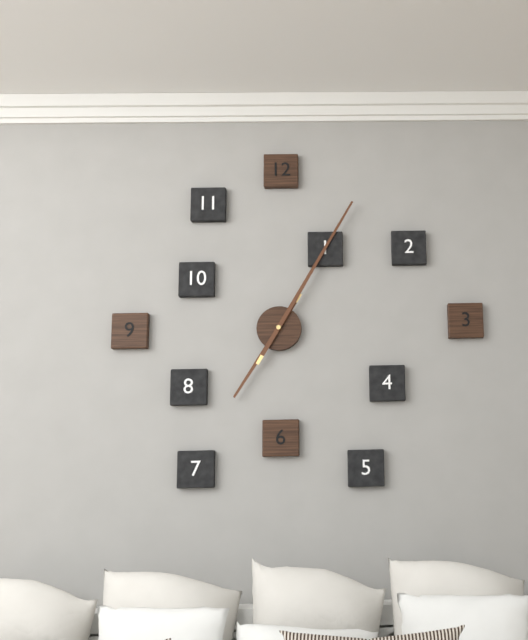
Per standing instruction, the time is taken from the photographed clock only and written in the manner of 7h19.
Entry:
7h05
